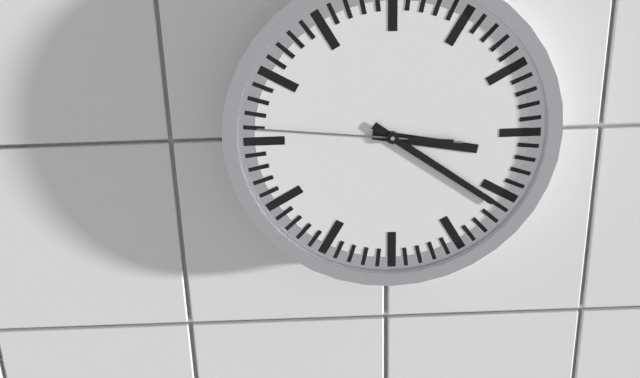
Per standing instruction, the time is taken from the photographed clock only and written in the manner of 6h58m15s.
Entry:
3h21m46s
